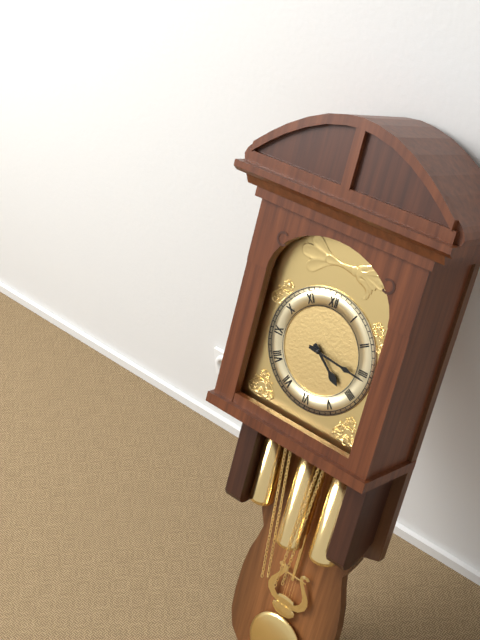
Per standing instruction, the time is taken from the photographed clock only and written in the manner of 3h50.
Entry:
4h16
